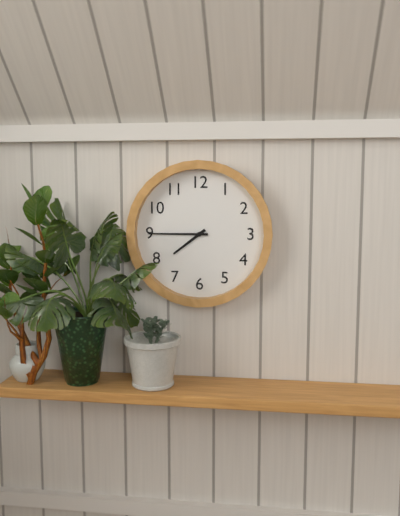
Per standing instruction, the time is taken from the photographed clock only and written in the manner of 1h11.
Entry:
7h45
